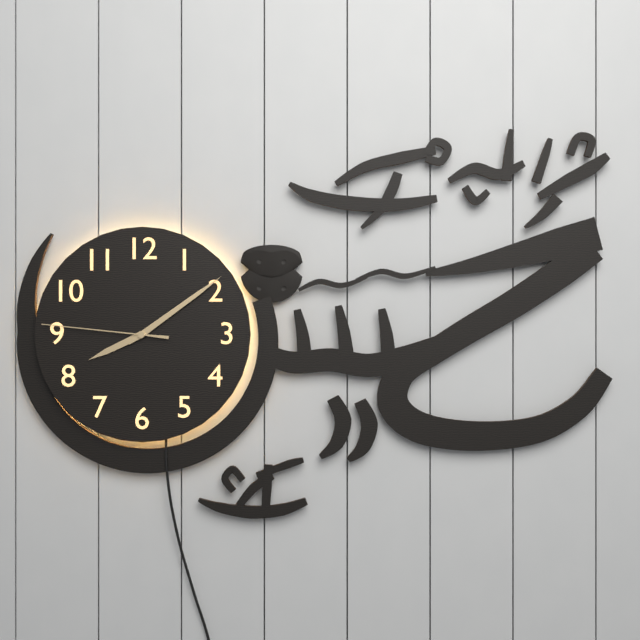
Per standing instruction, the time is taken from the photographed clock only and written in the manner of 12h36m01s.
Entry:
8h09m46s
